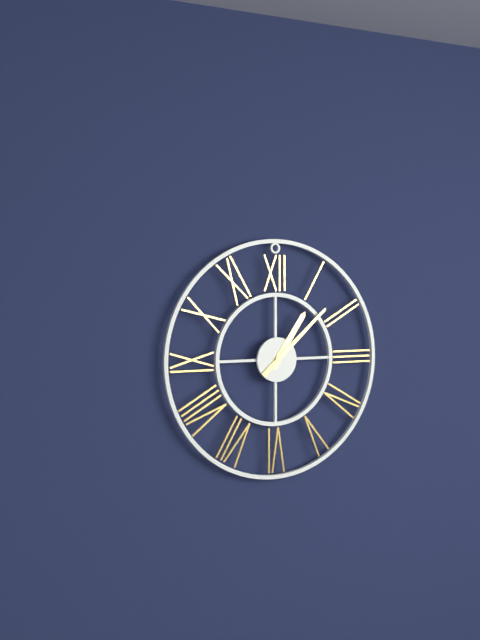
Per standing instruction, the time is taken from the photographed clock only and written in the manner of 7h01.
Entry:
1h08
